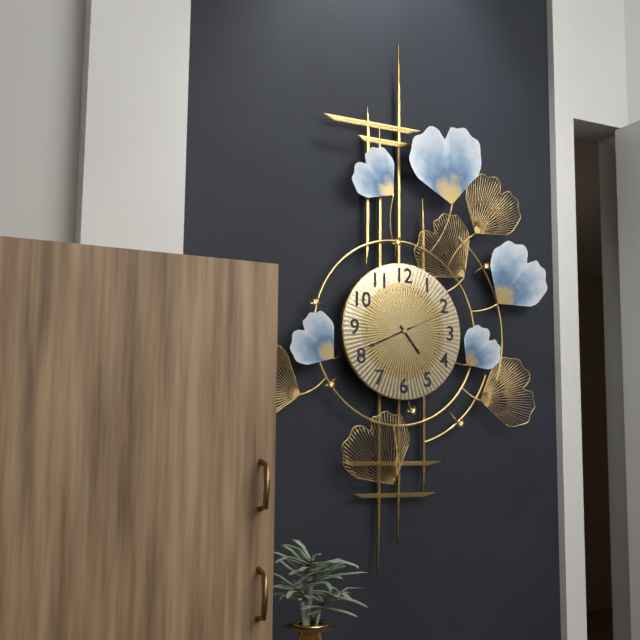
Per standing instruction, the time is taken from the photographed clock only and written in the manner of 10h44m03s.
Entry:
4h41m11s
